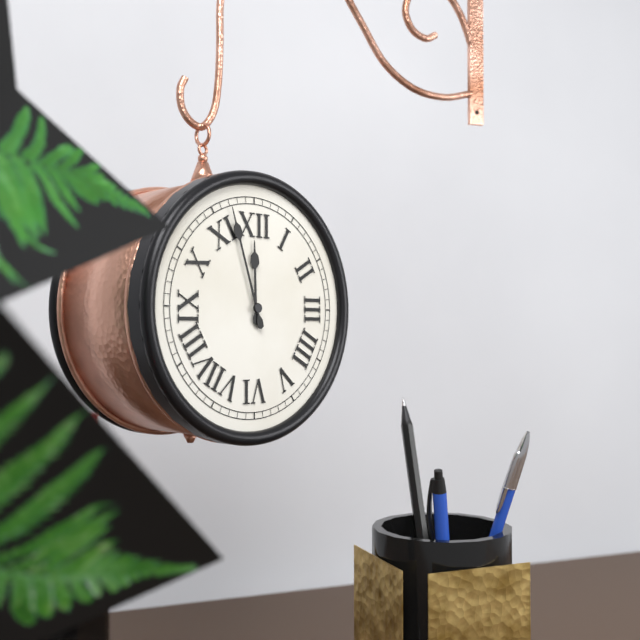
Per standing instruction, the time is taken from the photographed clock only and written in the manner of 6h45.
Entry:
11h57
